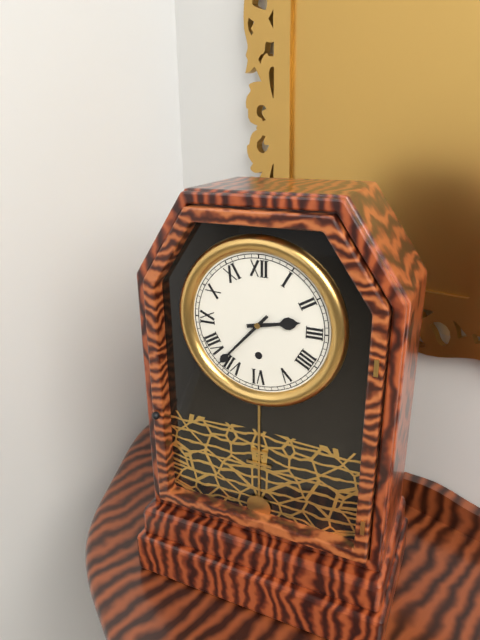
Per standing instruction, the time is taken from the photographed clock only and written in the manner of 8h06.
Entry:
2h37
